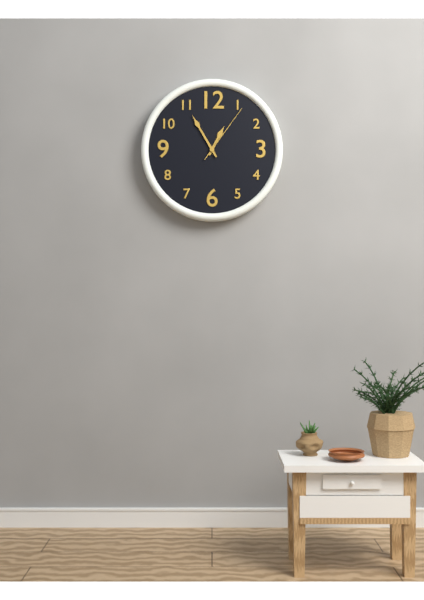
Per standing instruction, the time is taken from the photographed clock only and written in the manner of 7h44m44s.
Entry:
12h55m06s
